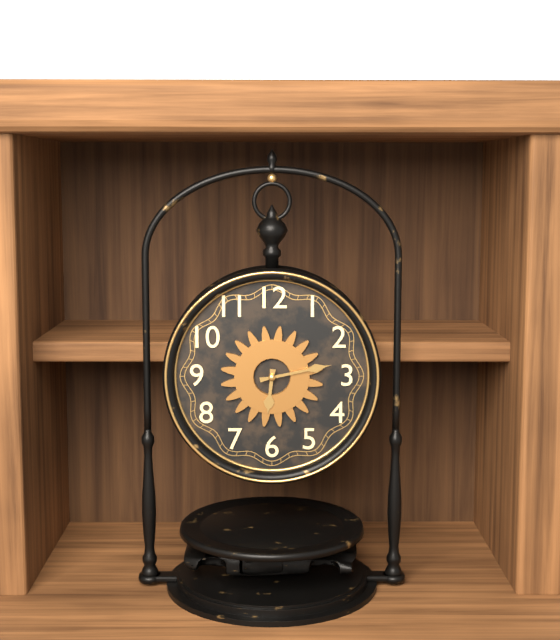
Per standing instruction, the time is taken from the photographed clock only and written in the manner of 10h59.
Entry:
6h13
